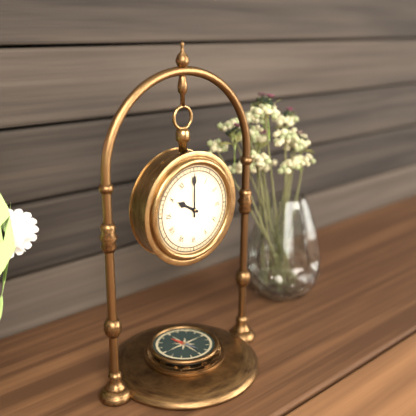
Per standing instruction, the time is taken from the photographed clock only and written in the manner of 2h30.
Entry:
10h00
